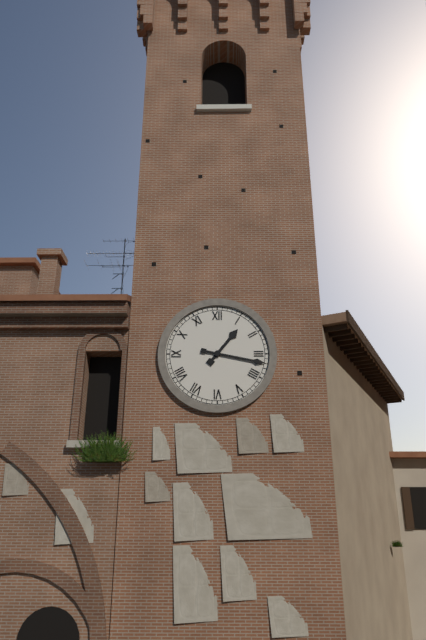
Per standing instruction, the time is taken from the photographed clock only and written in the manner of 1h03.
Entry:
1h17
